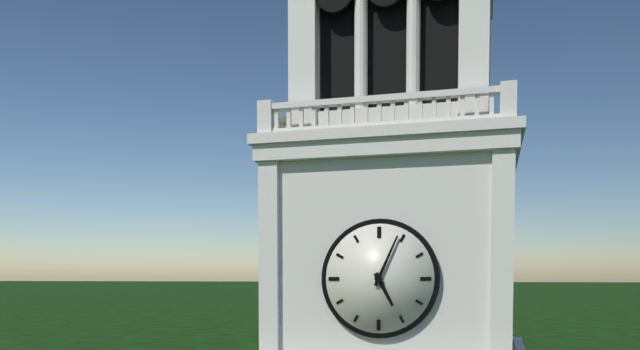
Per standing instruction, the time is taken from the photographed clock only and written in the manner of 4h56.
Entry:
5h04
